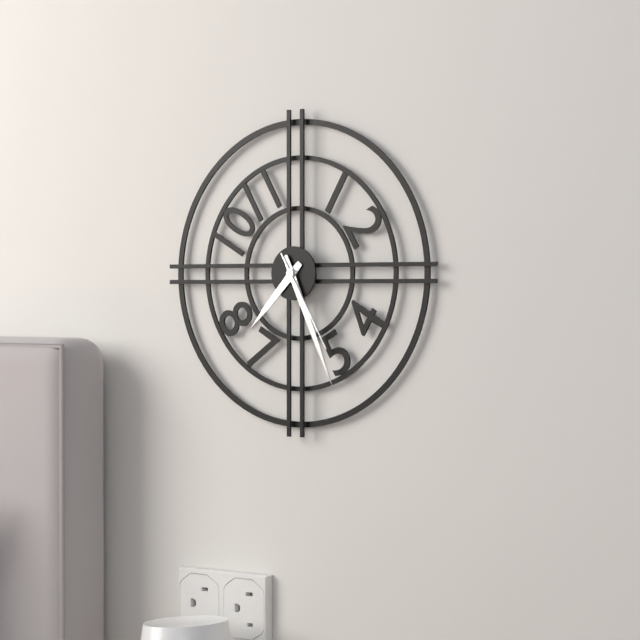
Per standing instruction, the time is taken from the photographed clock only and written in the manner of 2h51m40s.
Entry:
7h26m25s
